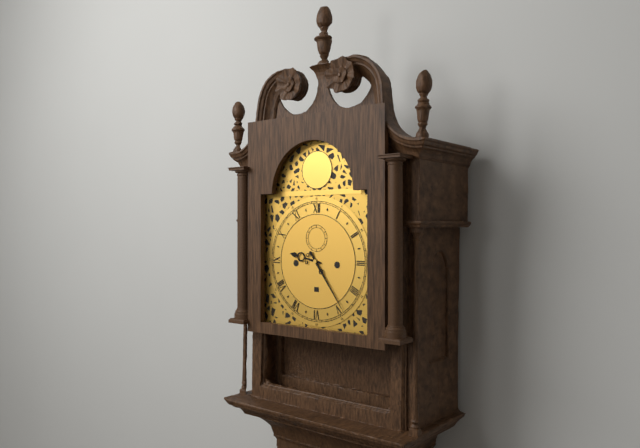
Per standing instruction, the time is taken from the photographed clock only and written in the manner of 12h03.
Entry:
9h24
